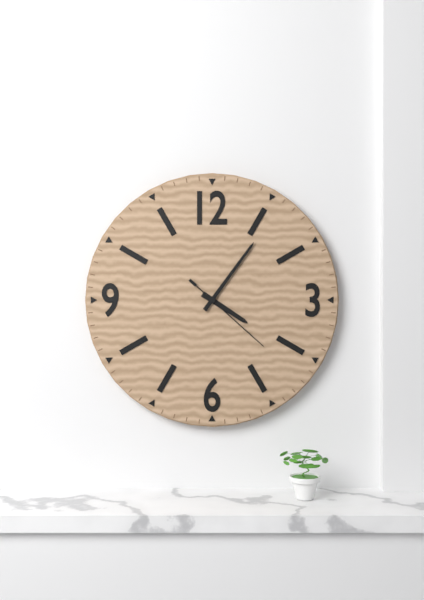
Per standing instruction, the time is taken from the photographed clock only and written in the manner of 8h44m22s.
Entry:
4h06m22s
